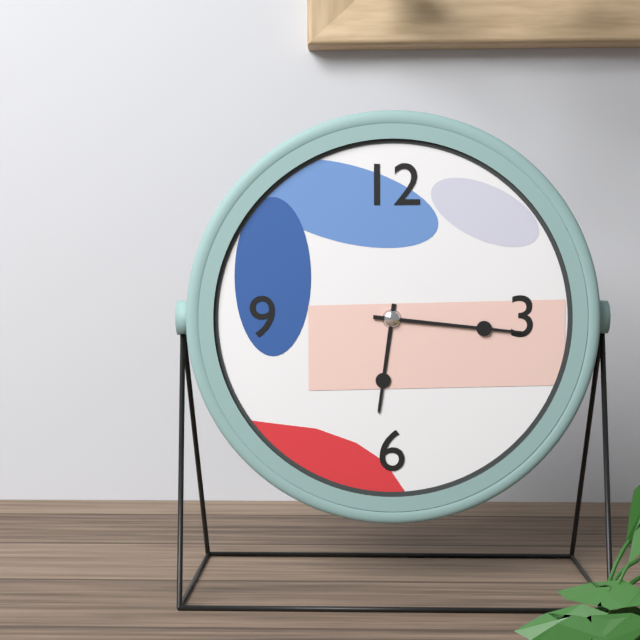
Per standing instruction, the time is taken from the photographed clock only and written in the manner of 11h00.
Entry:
6h16
